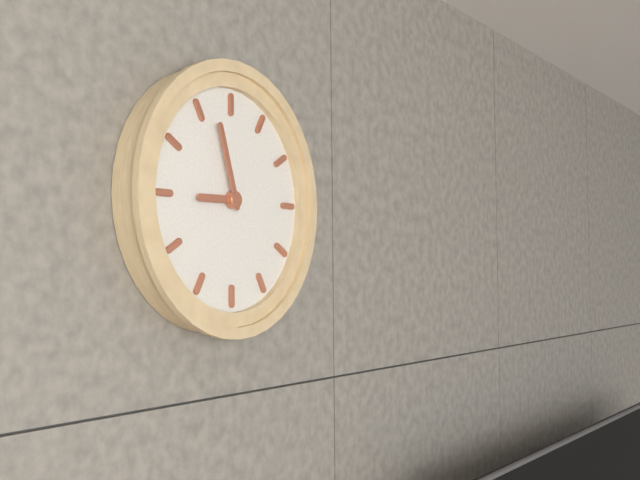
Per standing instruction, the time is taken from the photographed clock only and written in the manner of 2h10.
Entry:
8h57
